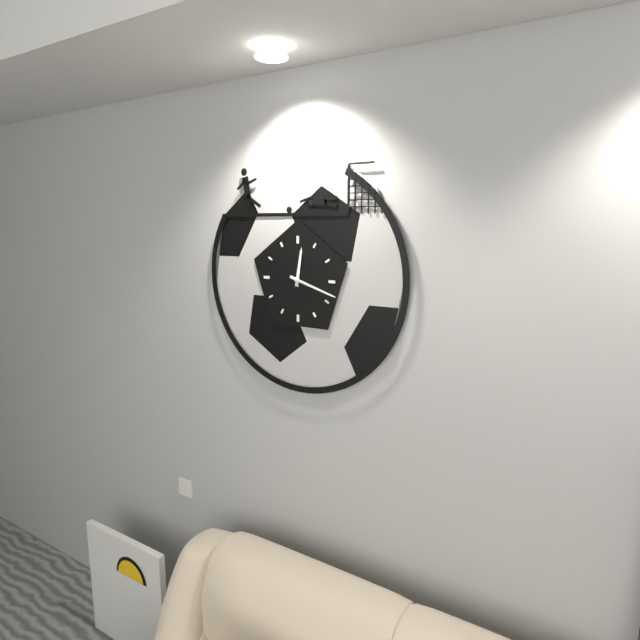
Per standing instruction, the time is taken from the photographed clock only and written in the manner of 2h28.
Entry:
12h18
